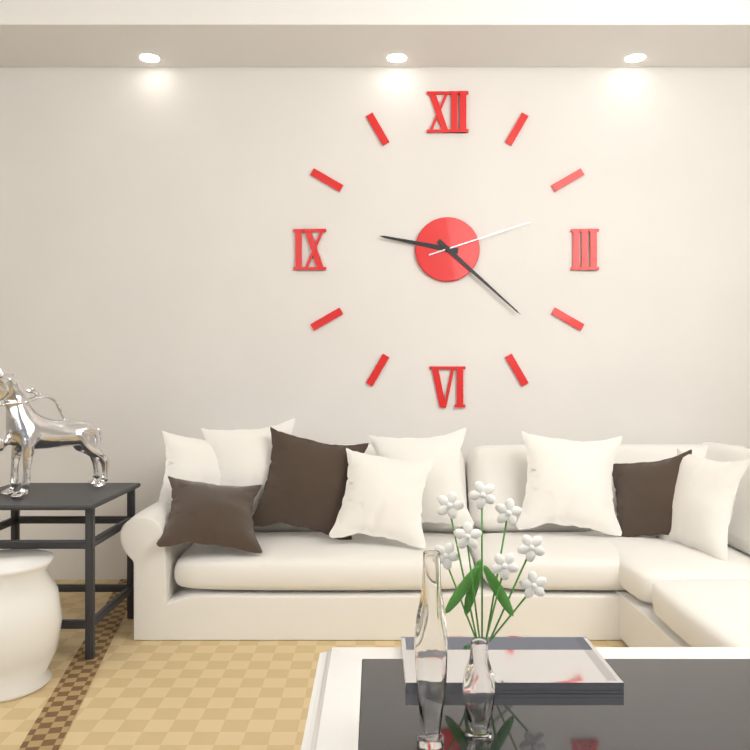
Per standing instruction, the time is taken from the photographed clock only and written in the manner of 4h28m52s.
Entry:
9h22m12s
